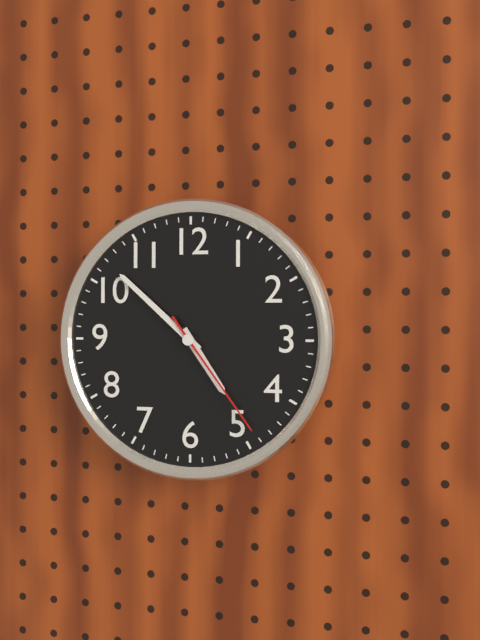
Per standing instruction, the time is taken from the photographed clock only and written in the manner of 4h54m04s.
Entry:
4h52m24s
